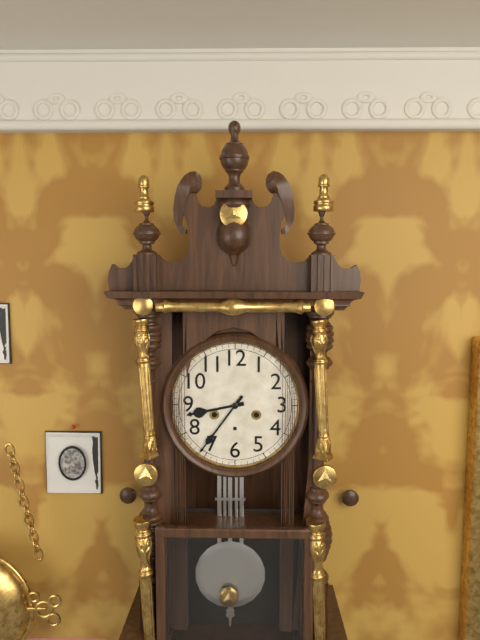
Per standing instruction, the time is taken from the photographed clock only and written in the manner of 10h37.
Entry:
8h36
